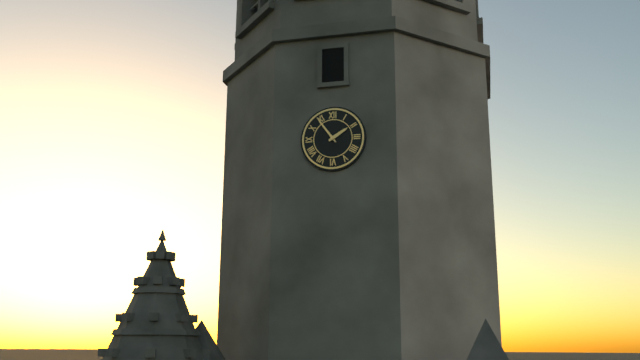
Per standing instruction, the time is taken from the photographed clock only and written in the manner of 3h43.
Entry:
1h54
